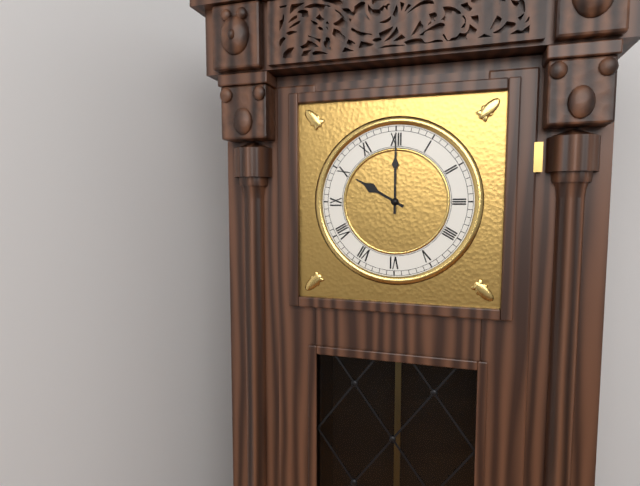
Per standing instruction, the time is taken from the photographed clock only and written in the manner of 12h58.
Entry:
10h00
